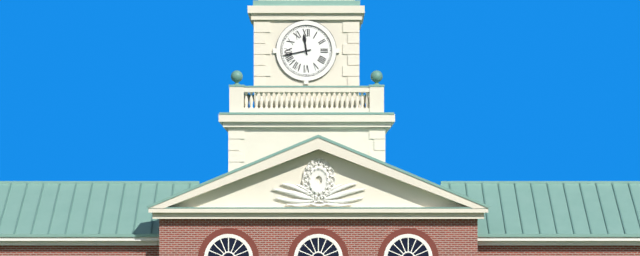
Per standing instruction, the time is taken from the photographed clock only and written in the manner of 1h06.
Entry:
11h43
